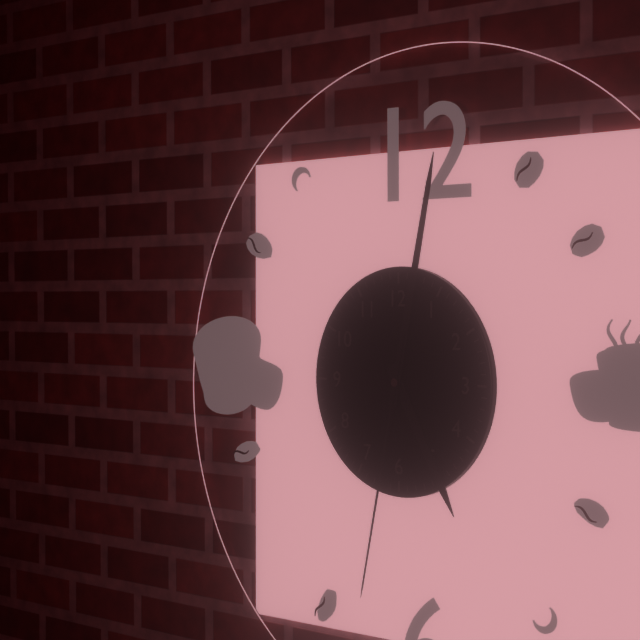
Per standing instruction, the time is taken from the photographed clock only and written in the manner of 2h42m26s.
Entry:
5h02m32s
